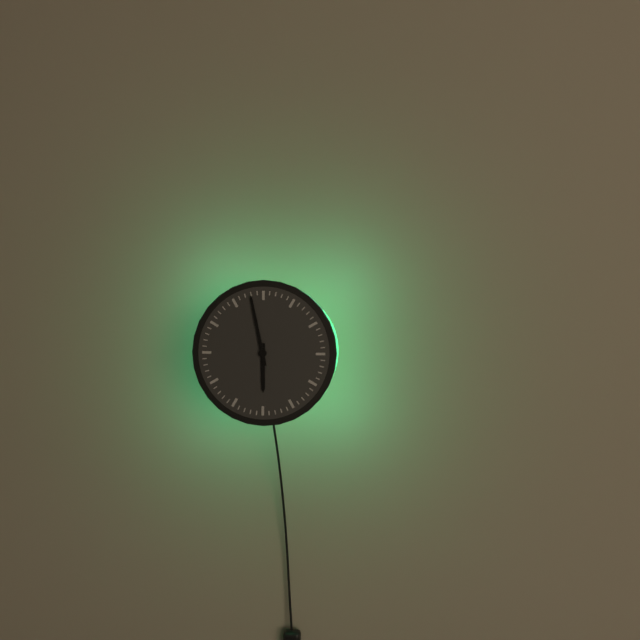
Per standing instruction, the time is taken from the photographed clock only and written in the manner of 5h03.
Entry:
5h58
